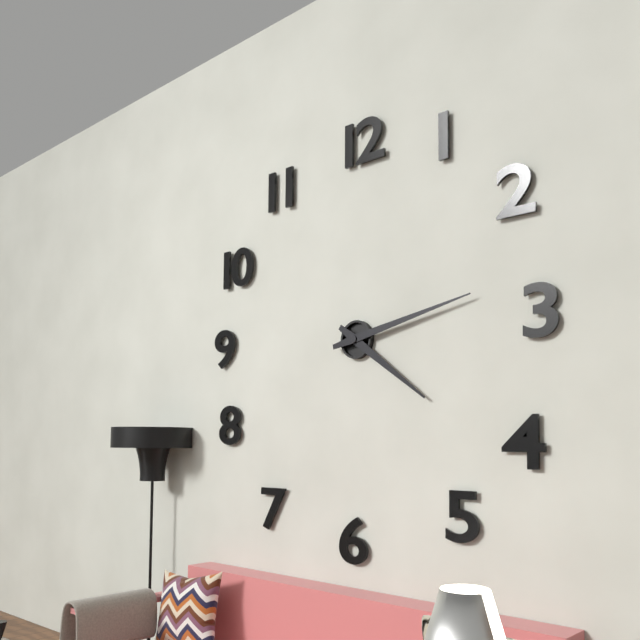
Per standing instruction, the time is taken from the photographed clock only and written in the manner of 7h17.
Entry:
4h13
